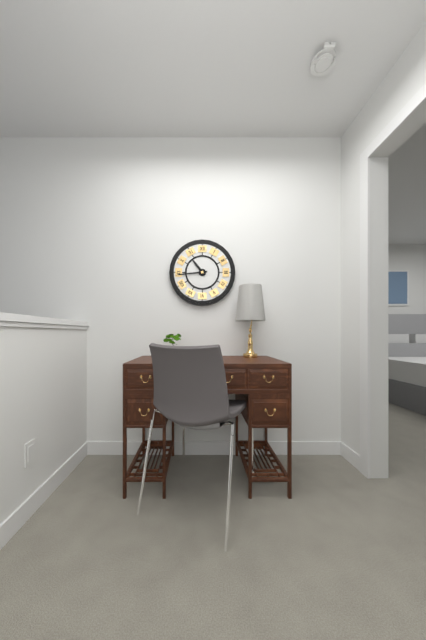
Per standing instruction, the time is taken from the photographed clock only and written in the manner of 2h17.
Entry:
10h44
